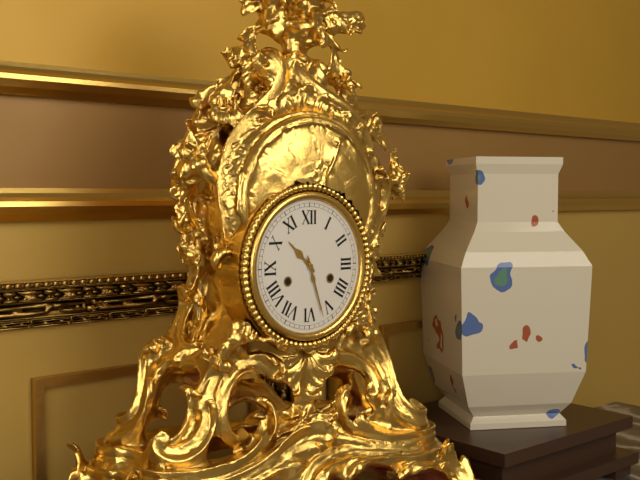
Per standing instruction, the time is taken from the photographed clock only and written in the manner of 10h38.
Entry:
10h27
